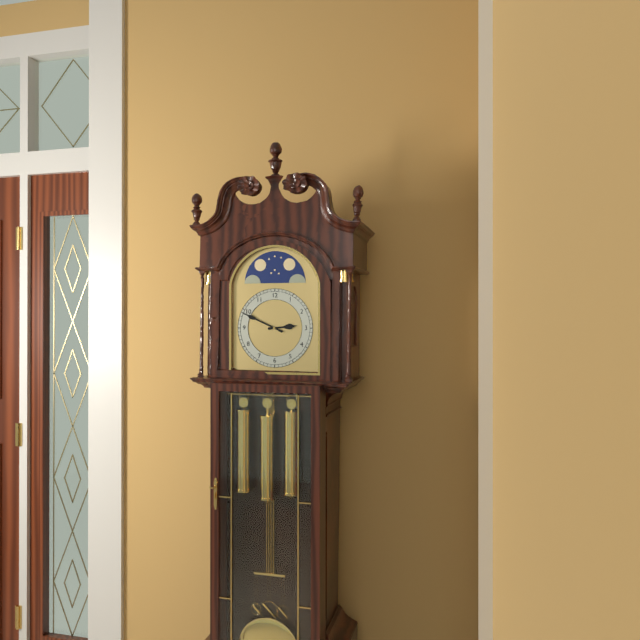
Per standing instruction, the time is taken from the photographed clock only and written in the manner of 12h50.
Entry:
2h49
